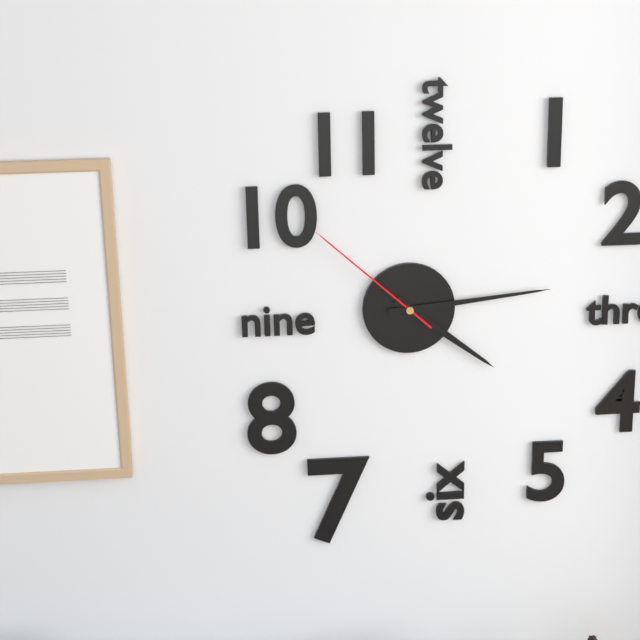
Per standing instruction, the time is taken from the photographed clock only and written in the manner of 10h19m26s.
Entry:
4h14m52s
